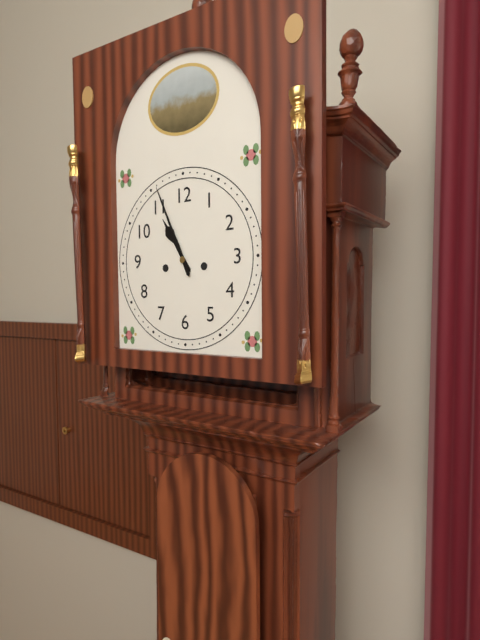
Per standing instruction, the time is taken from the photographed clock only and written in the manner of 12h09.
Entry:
10h56
